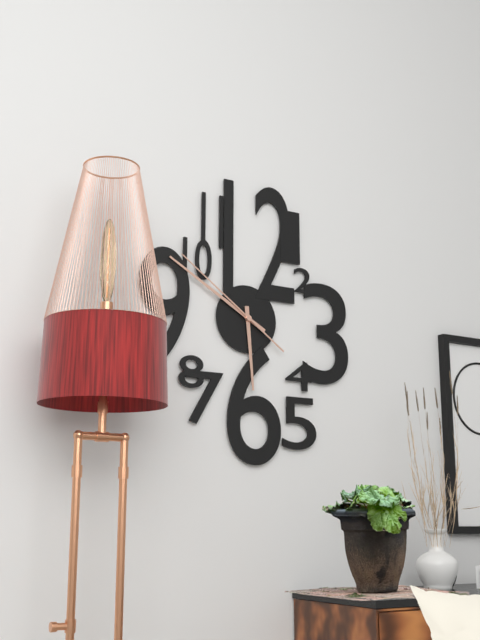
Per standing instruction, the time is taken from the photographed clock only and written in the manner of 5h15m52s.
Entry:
5h50m51s
